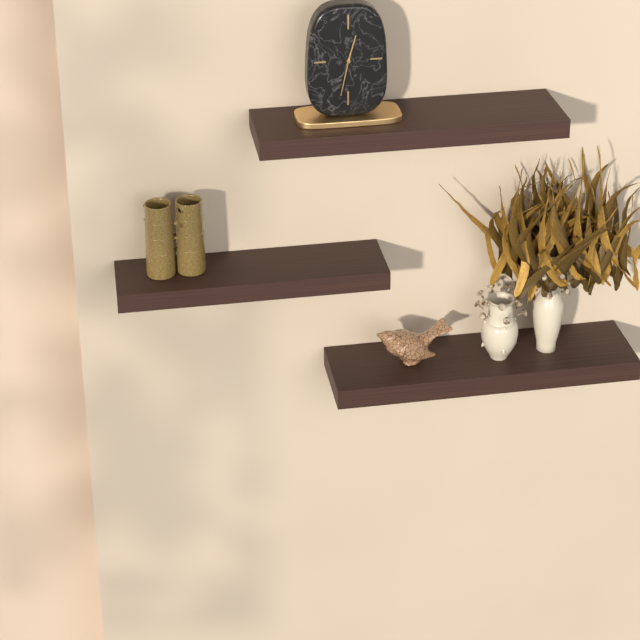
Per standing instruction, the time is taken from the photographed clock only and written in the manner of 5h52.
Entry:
12h32
